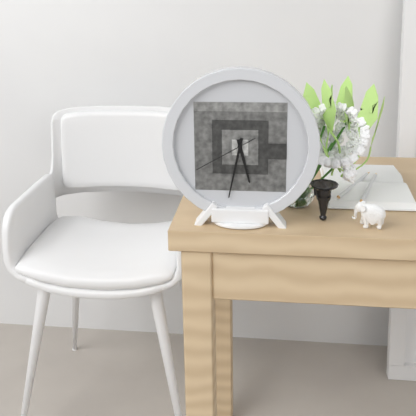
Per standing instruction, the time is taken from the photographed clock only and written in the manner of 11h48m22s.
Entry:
5h32m40s
